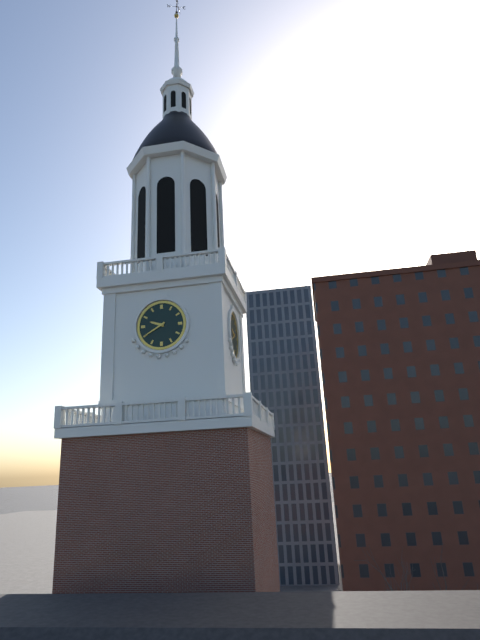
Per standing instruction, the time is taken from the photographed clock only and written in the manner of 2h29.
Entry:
9h40
